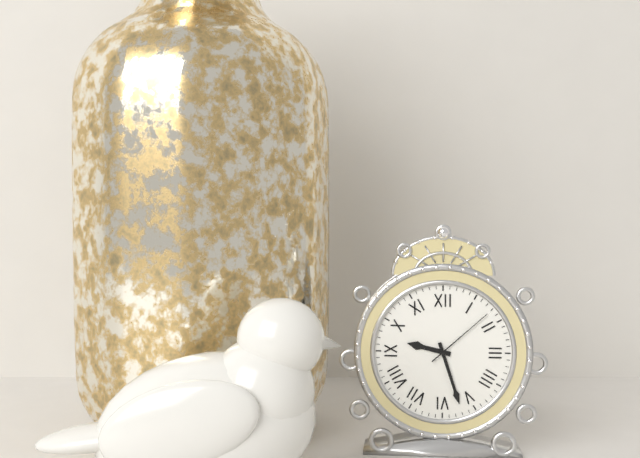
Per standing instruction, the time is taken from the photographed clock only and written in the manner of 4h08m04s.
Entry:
9h27m08s
